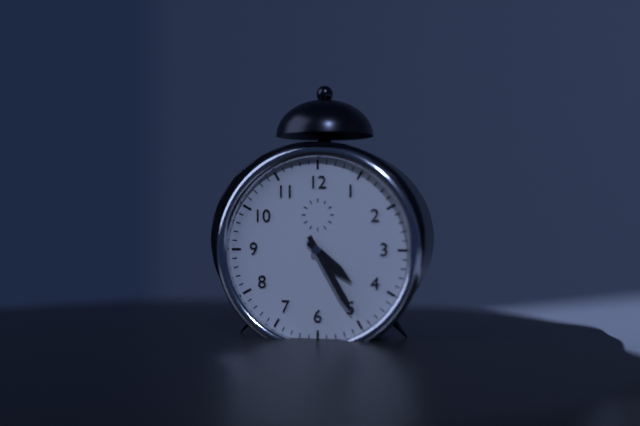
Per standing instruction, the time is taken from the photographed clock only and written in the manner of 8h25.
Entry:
4h25
